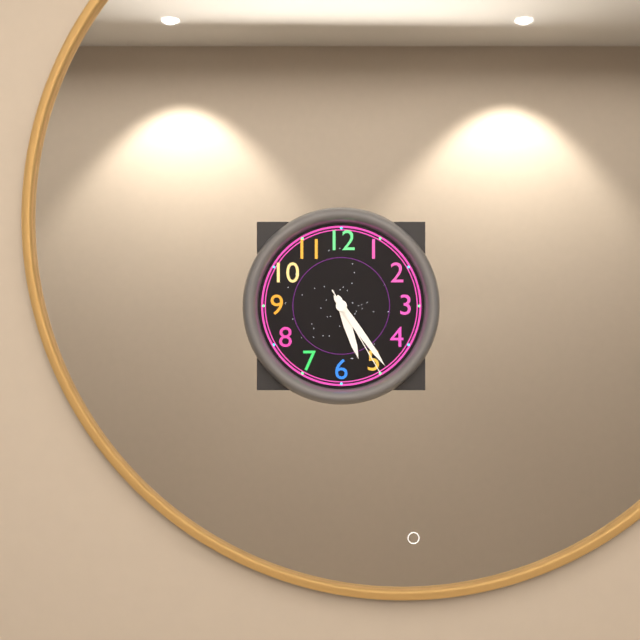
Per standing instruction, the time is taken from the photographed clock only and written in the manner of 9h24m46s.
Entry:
5h24m25s
